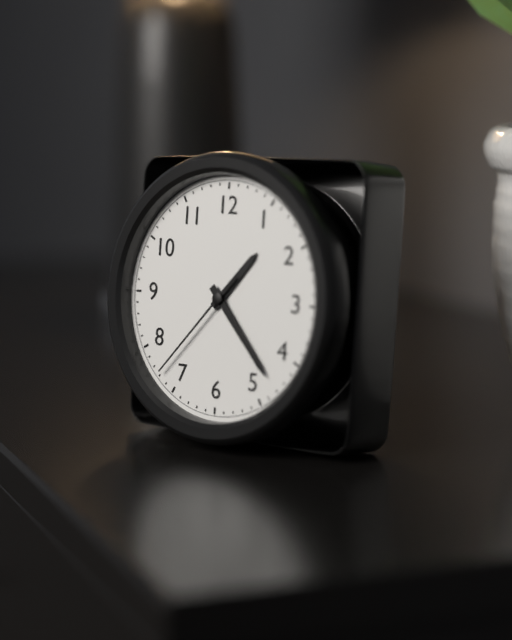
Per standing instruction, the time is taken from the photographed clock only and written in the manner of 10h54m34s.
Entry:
1h23m37s
